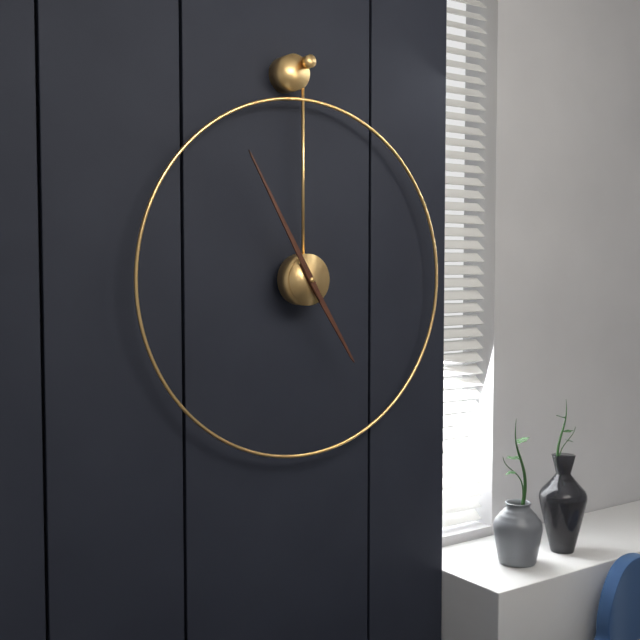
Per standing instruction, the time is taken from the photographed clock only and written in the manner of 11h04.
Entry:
4h55
